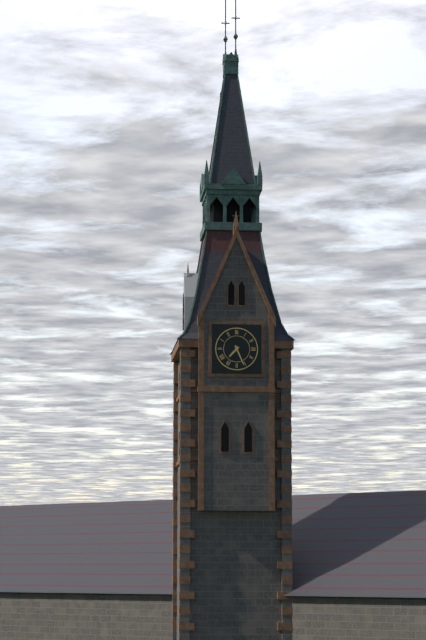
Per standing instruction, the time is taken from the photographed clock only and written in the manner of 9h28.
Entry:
7h26
